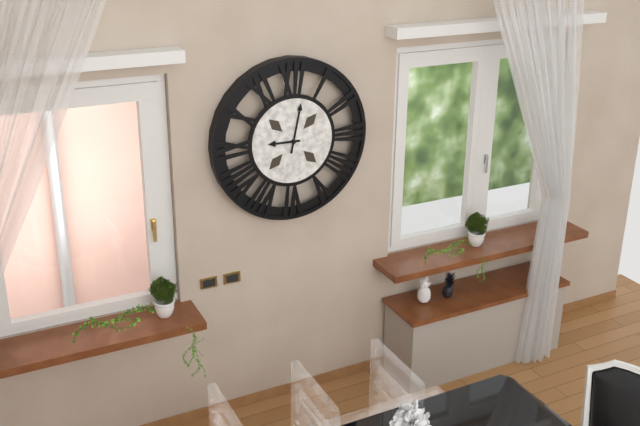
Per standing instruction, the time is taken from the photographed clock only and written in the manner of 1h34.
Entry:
9h02
